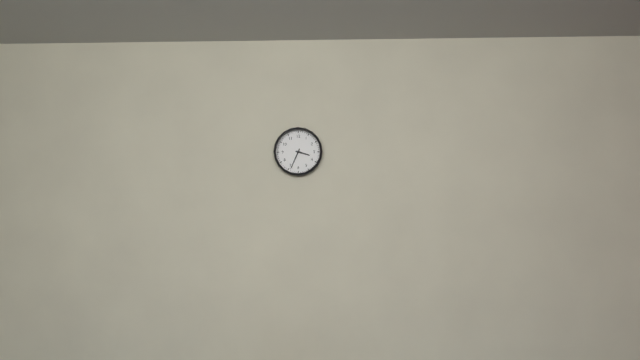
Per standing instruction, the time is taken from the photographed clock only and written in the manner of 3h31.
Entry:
3h34
